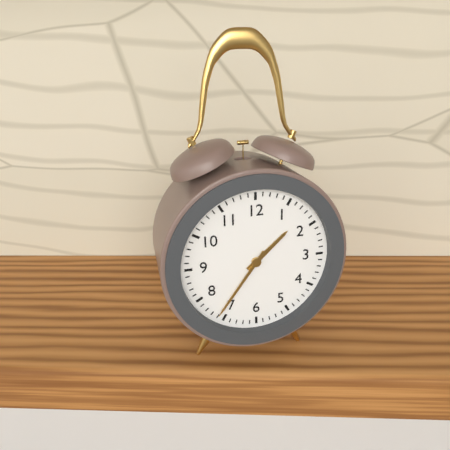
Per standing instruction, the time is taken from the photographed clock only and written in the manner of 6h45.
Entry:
1h36
